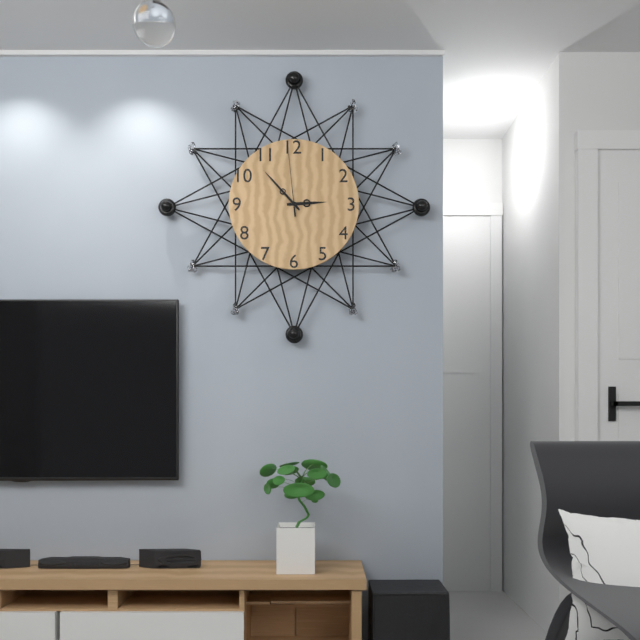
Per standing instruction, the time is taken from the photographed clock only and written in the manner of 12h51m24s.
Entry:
2h53m59s
